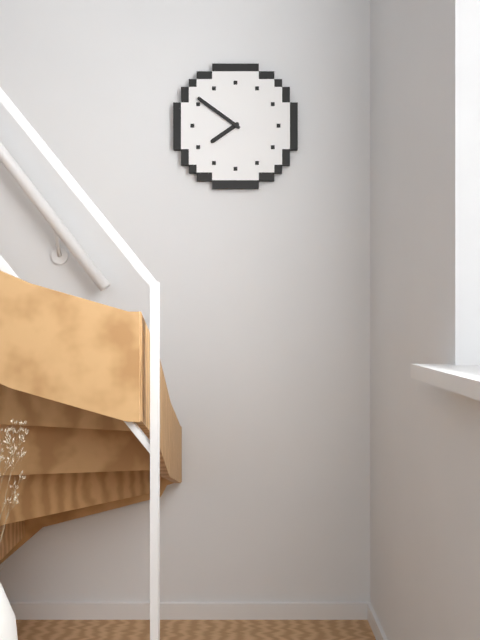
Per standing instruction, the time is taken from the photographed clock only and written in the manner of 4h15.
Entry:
7h51
